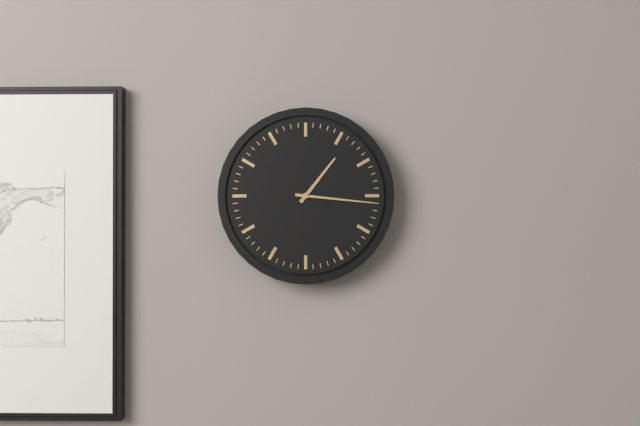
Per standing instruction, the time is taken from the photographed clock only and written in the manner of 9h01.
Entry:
1h16
